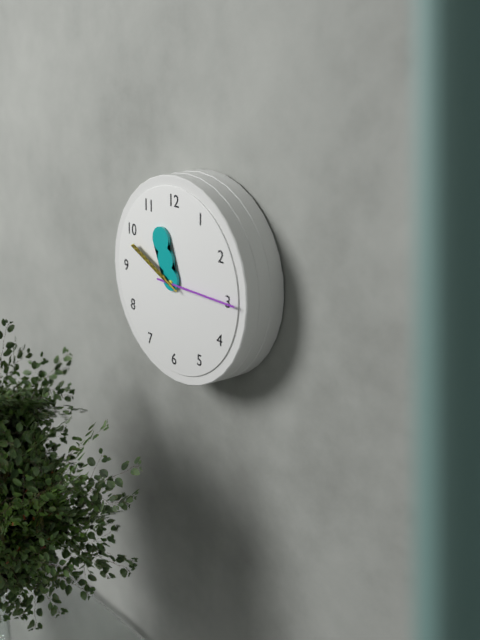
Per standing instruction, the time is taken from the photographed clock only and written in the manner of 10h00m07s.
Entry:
11h15m49s
